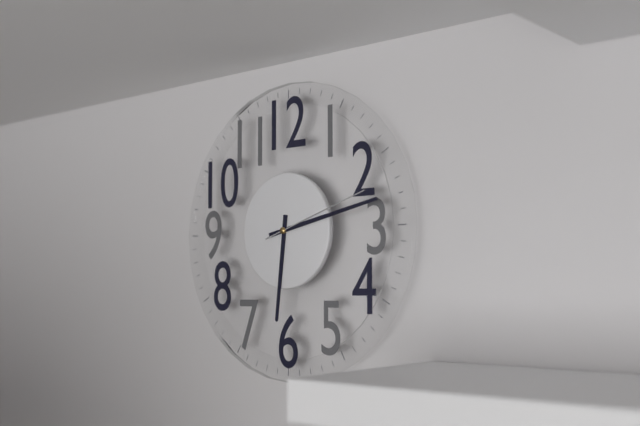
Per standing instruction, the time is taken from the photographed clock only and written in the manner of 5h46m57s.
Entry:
6h13m12s
